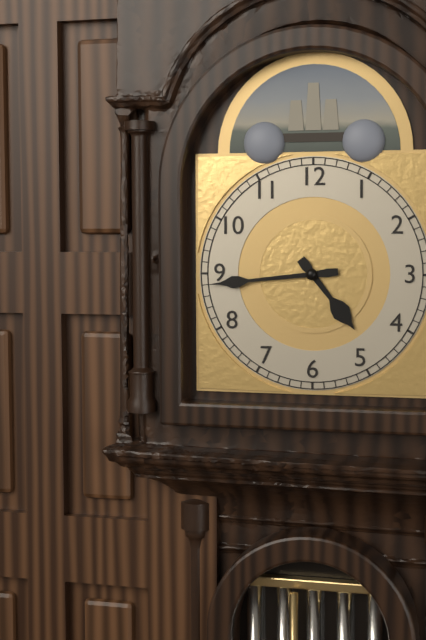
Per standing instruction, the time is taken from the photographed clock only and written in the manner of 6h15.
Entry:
4h44
